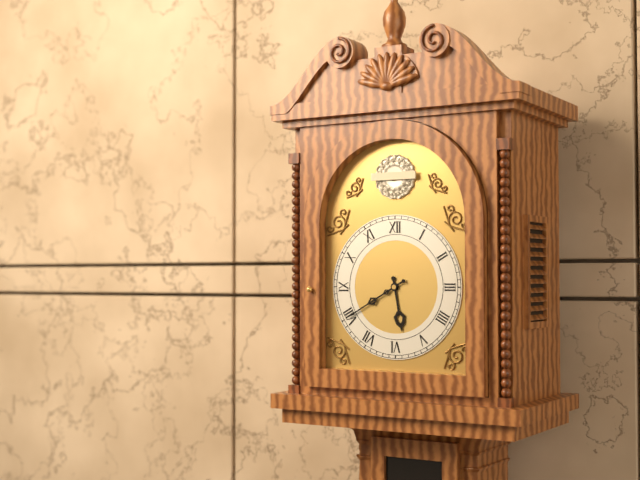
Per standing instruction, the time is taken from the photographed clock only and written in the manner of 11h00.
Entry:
5h40
